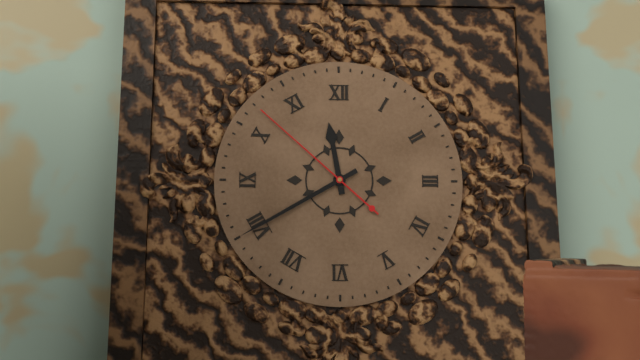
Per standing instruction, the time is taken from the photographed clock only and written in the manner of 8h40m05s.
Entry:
11h40m52s
